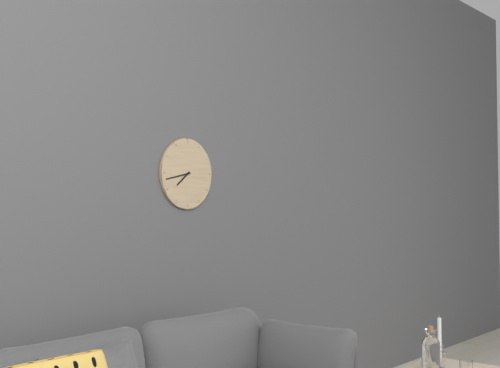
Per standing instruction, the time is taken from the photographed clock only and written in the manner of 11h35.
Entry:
7h43
